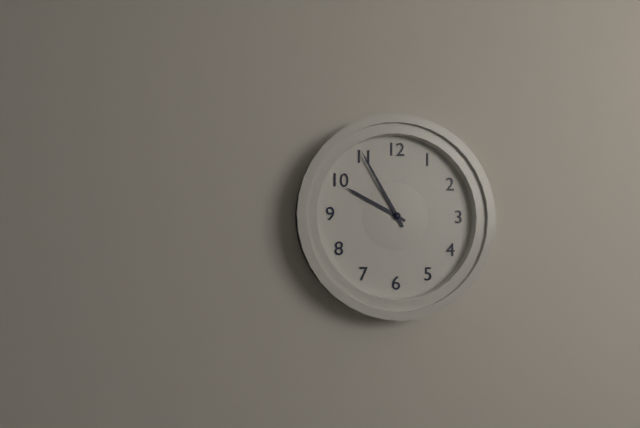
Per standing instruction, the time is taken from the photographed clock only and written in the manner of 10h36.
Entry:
9h55
